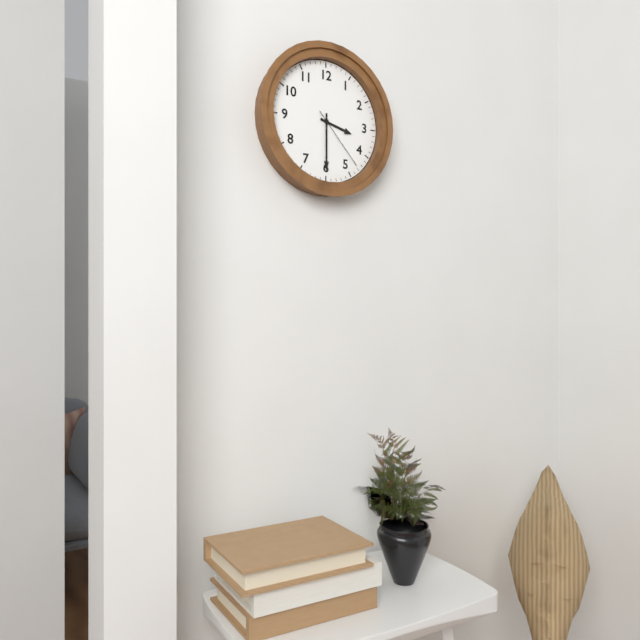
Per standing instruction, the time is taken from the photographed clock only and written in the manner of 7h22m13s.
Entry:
3h30m23s
